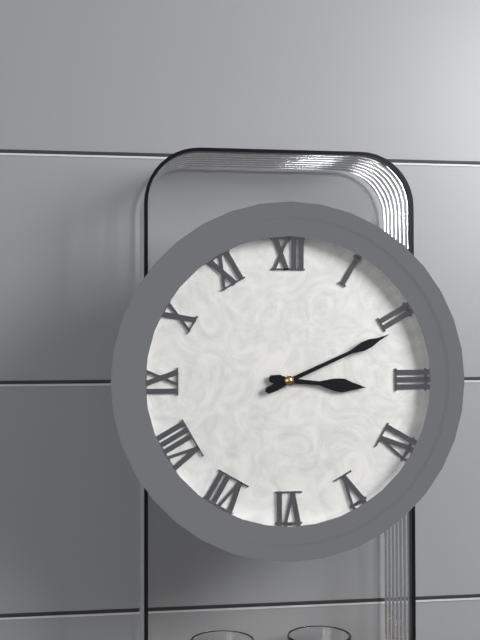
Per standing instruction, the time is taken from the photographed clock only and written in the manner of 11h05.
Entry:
3h11
